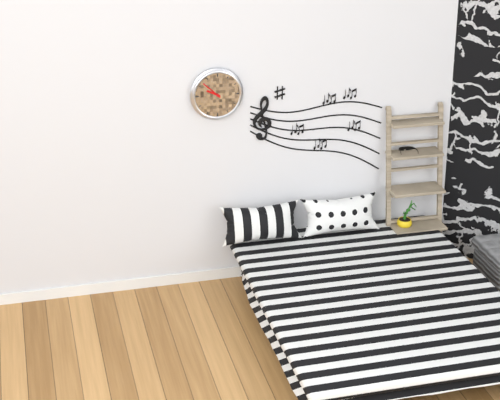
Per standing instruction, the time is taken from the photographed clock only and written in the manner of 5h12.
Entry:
9h52
